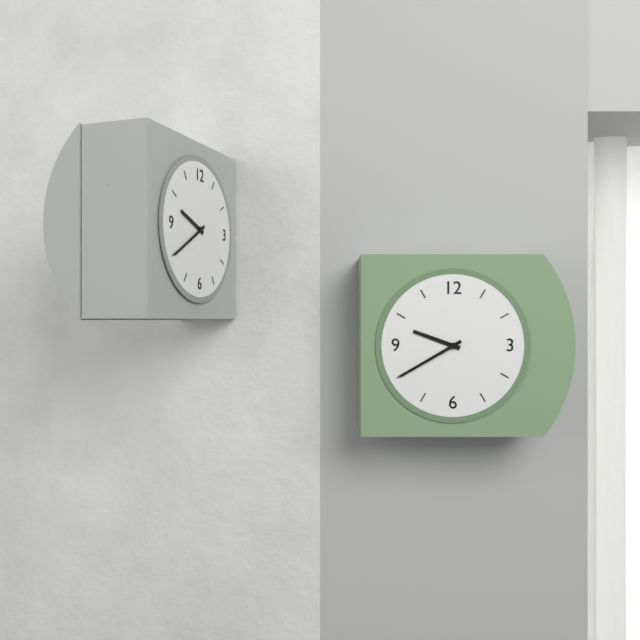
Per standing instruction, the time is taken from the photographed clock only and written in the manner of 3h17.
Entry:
9h40
